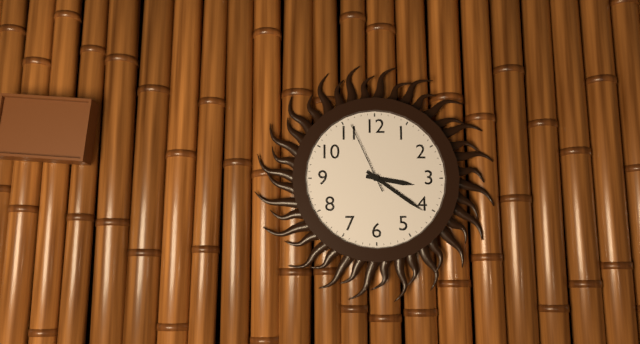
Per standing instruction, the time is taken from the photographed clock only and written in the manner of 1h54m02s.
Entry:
3h21m56s
